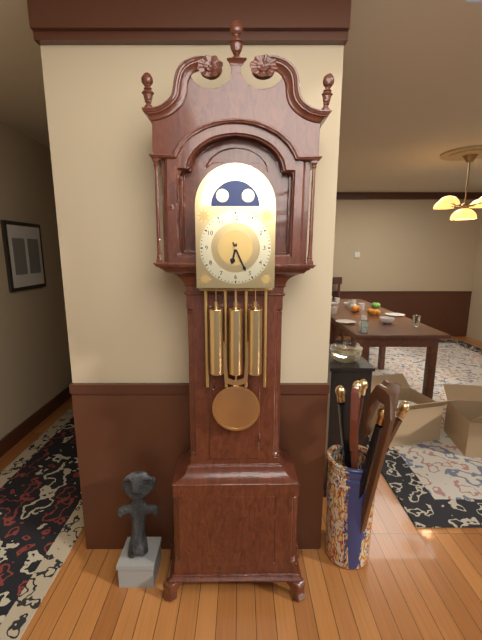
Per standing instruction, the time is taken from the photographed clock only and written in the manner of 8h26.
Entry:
6h26
